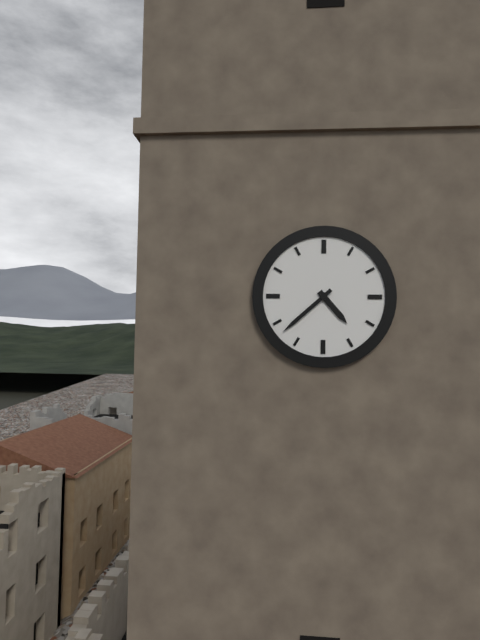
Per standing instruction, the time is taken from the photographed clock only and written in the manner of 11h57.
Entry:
4h38
